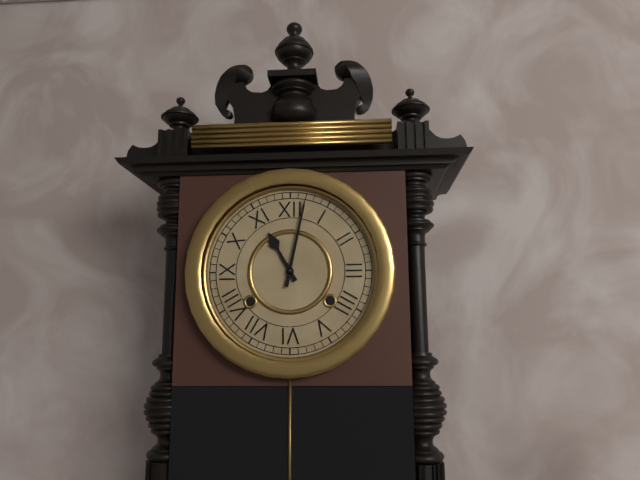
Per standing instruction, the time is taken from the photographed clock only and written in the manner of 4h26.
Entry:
11h02
